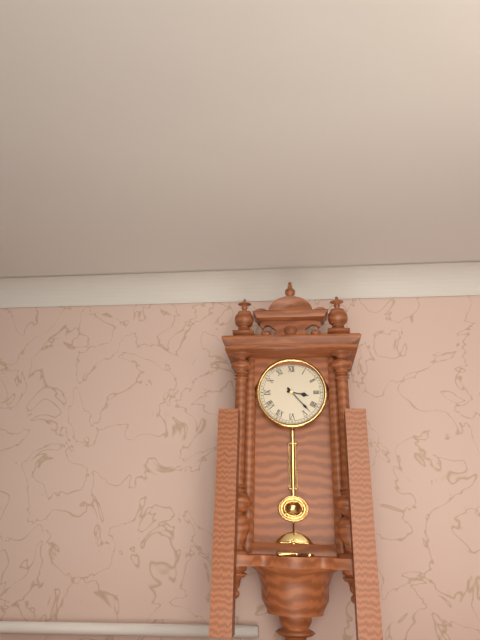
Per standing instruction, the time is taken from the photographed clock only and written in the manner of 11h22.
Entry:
3h23
